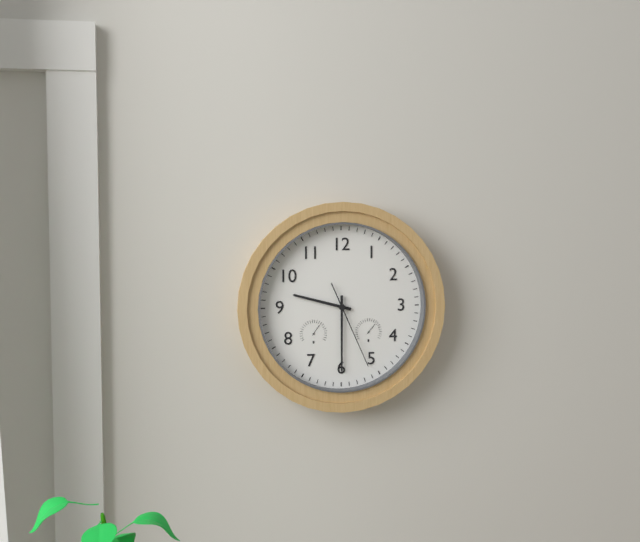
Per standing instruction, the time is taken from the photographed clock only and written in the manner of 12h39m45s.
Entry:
9h30m26s
